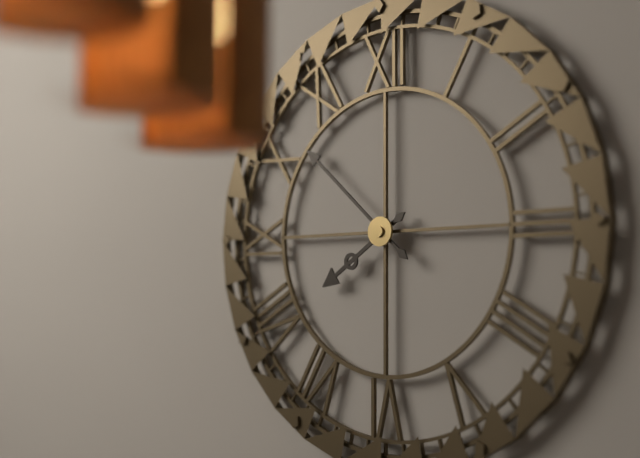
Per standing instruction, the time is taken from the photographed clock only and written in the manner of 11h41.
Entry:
7h52
